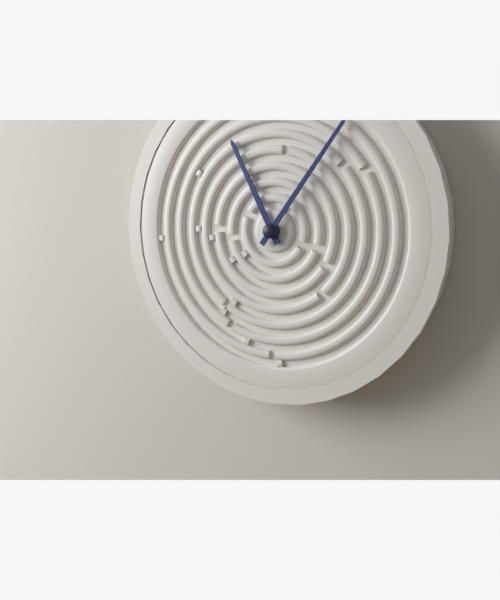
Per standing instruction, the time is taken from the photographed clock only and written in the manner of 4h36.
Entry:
11h06
